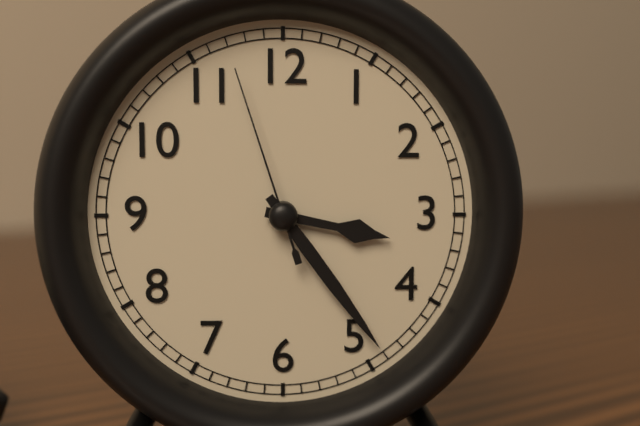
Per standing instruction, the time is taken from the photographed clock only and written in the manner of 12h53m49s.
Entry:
3h24m57s
